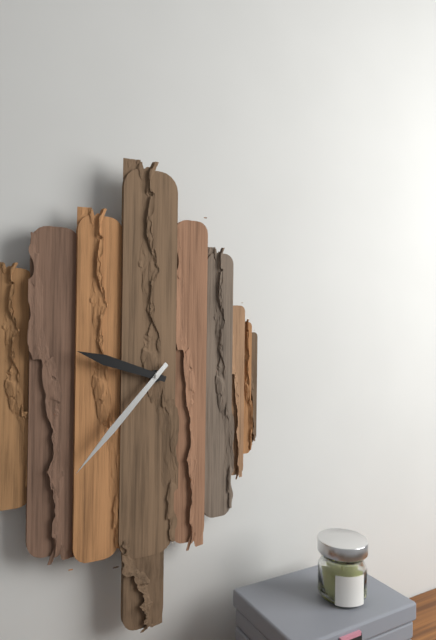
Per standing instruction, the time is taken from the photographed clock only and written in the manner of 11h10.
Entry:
9h37
